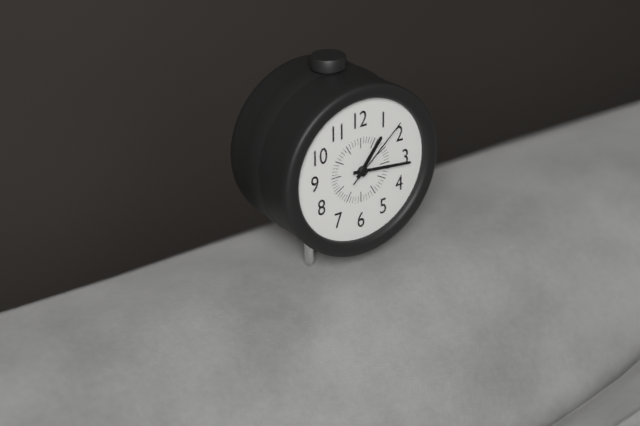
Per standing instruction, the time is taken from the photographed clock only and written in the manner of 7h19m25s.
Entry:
1h16m08s
